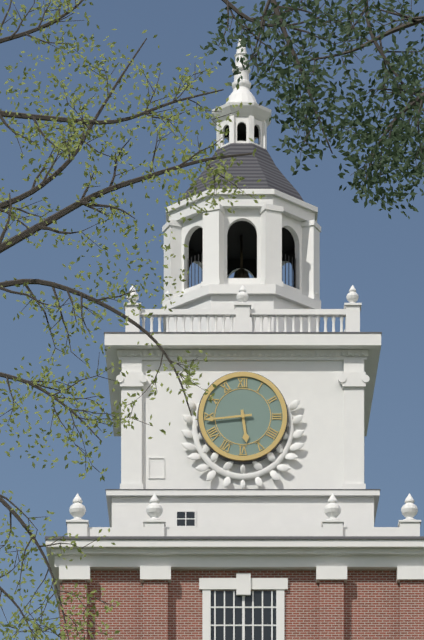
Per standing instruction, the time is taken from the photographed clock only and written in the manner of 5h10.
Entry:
5h44
